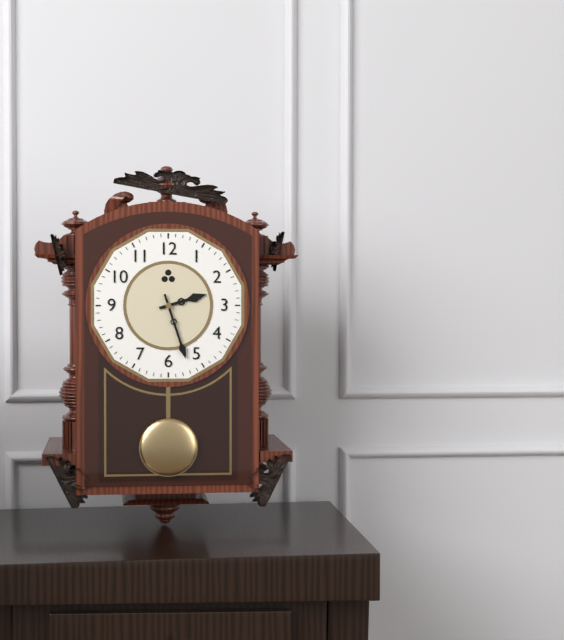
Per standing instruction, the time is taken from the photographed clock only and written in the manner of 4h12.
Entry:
2h27
